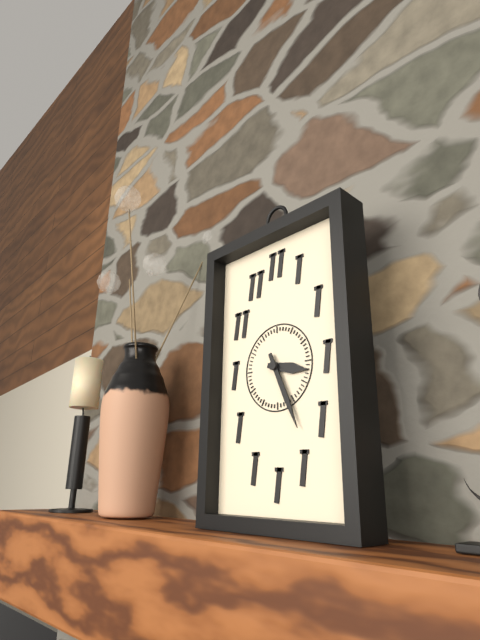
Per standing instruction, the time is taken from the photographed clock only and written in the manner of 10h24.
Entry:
3h26
